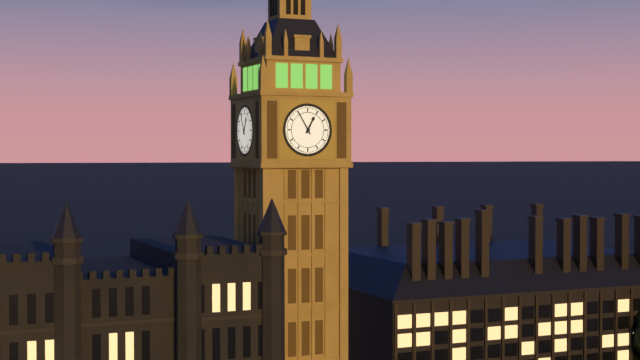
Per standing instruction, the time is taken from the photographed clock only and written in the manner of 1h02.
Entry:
12h55
